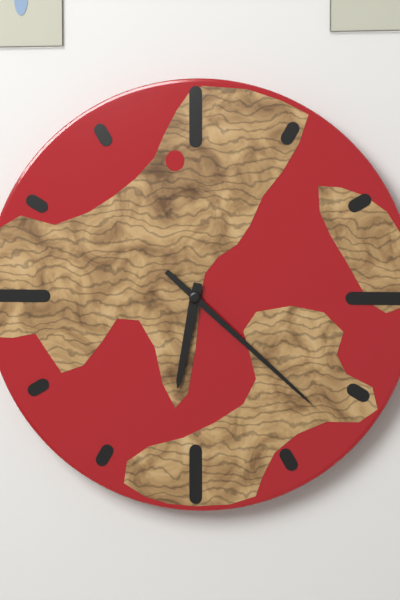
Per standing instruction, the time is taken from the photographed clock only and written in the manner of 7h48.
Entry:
6h22
